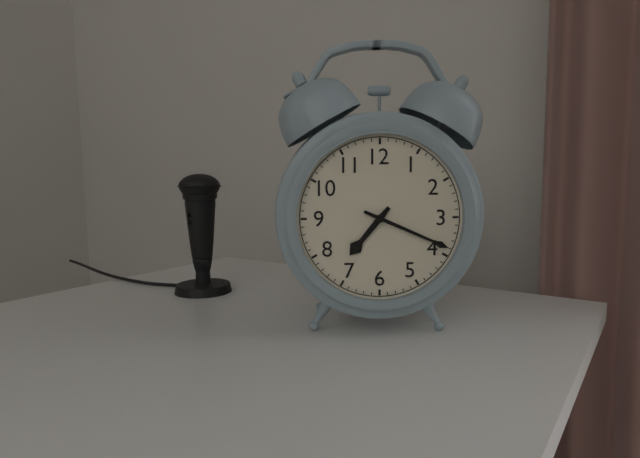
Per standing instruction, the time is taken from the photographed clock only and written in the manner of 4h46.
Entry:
7h19
